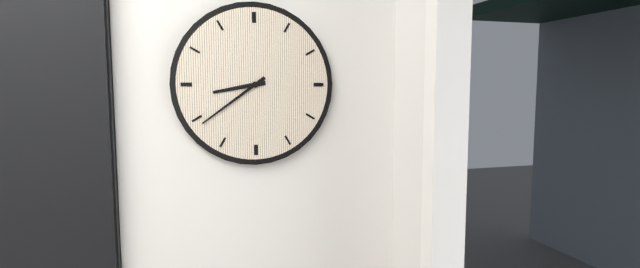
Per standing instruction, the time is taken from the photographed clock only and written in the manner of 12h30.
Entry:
8h39
